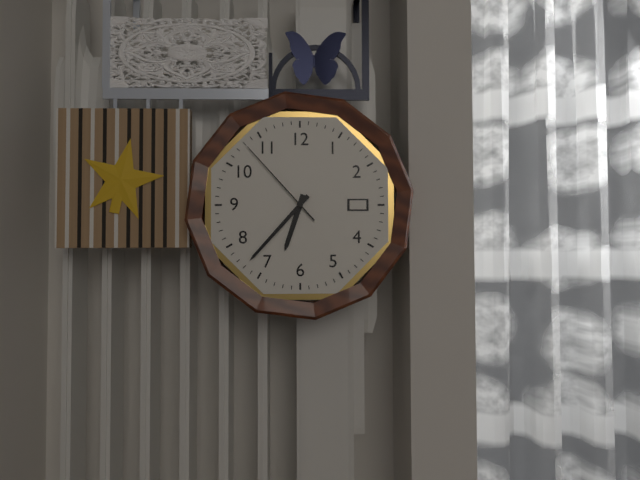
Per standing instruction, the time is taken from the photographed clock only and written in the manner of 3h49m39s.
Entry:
6h37m53s
